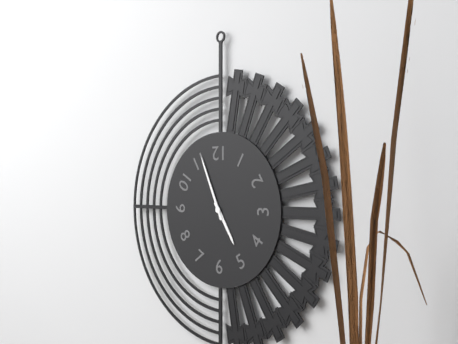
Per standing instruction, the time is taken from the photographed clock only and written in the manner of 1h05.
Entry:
4h56
